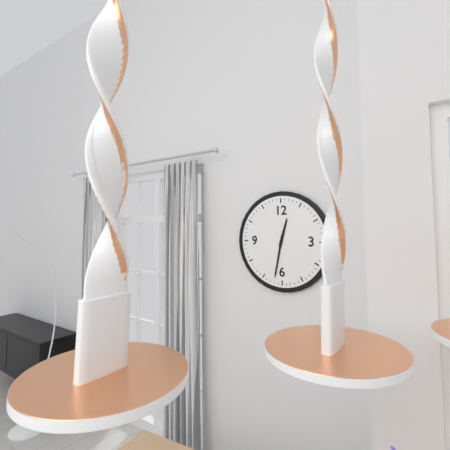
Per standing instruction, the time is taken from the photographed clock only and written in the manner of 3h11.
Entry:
12h32
